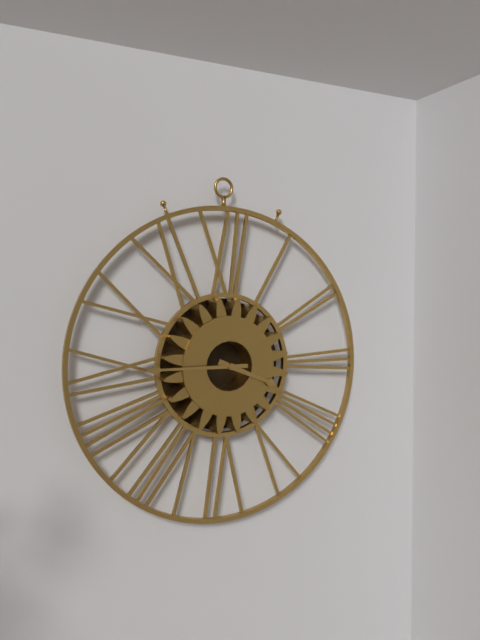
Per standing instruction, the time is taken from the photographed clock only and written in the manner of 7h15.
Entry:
3h45
